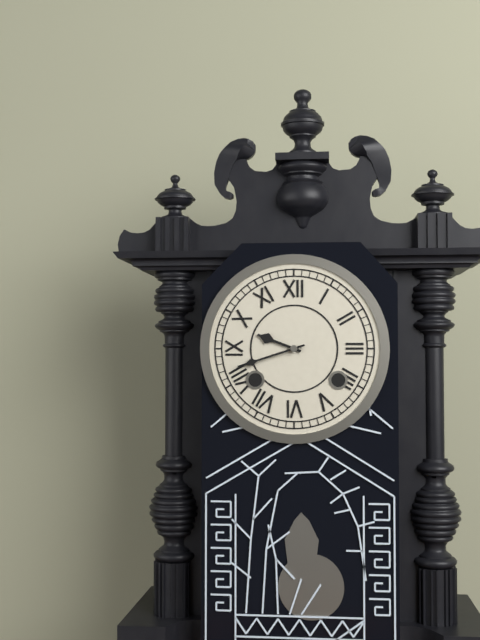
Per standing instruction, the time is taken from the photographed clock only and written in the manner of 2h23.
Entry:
9h42
